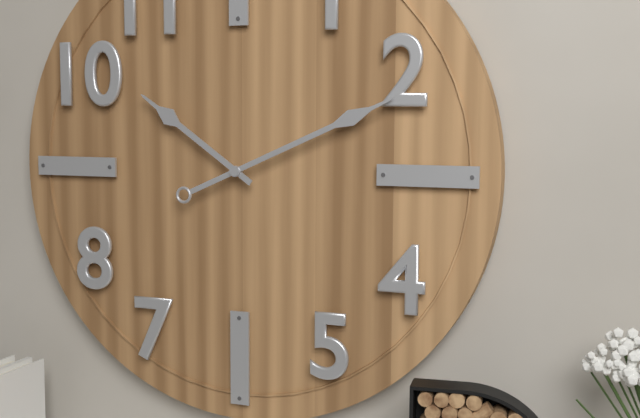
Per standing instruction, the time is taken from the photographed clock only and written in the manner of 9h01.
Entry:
10h11
